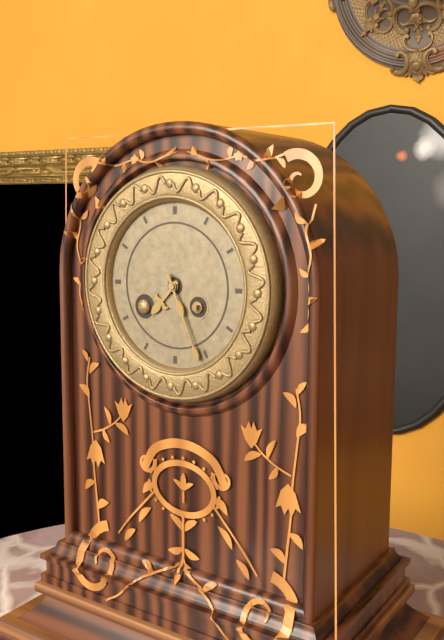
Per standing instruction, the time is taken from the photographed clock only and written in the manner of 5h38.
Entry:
7h26
